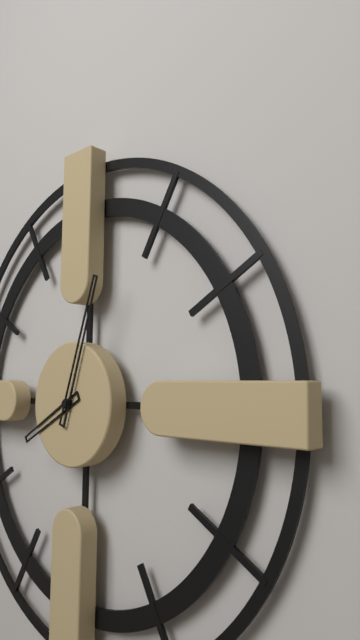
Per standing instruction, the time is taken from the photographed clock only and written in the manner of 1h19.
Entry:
8h03
